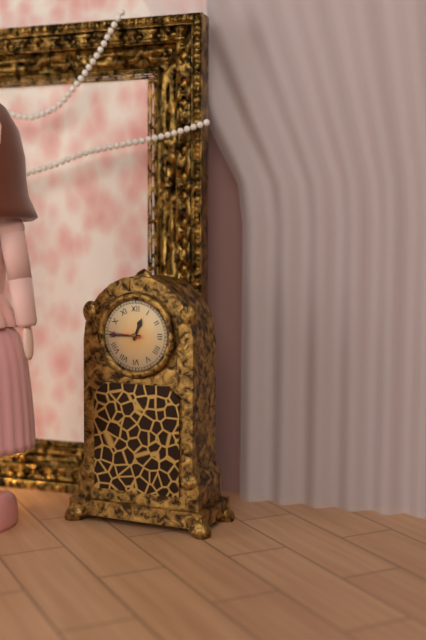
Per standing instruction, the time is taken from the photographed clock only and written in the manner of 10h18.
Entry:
12h45
